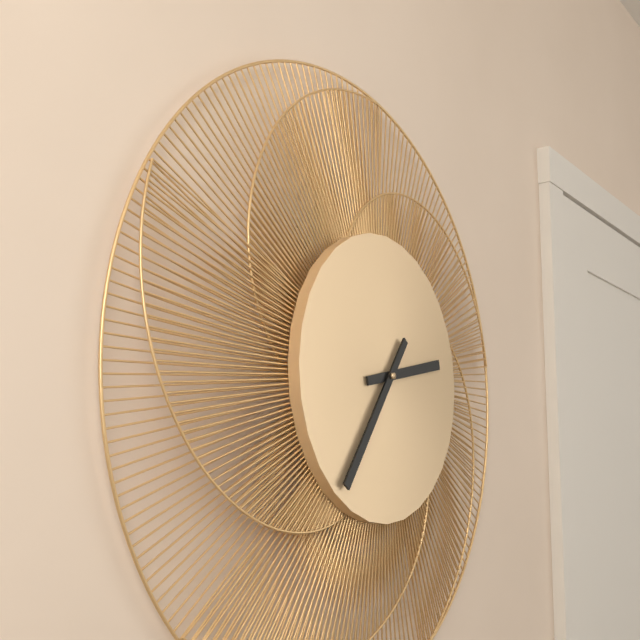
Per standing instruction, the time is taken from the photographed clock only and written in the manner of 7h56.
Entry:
2h36
